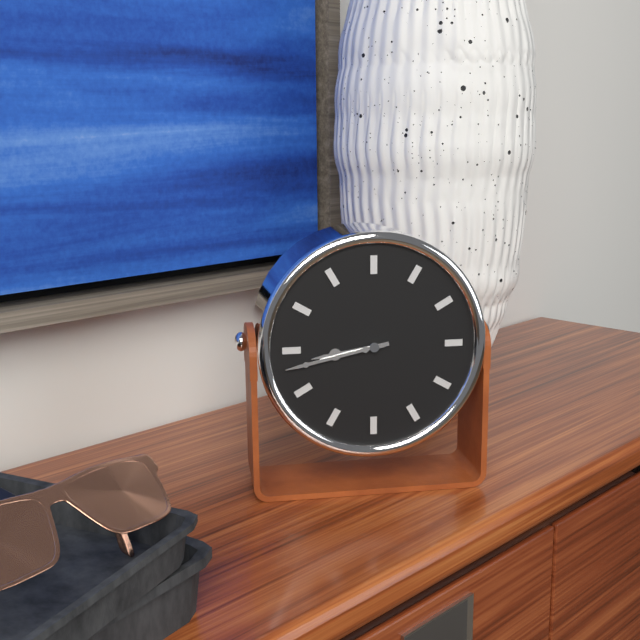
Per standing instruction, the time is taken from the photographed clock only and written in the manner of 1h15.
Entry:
8h43
